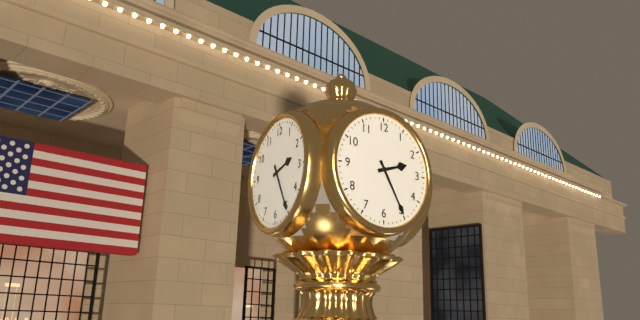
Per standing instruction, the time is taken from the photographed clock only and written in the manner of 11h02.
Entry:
2h25
